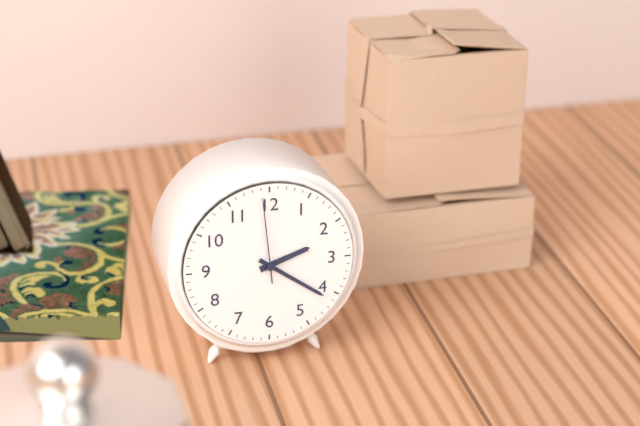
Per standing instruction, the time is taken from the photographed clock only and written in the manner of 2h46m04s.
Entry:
2h21m59s
